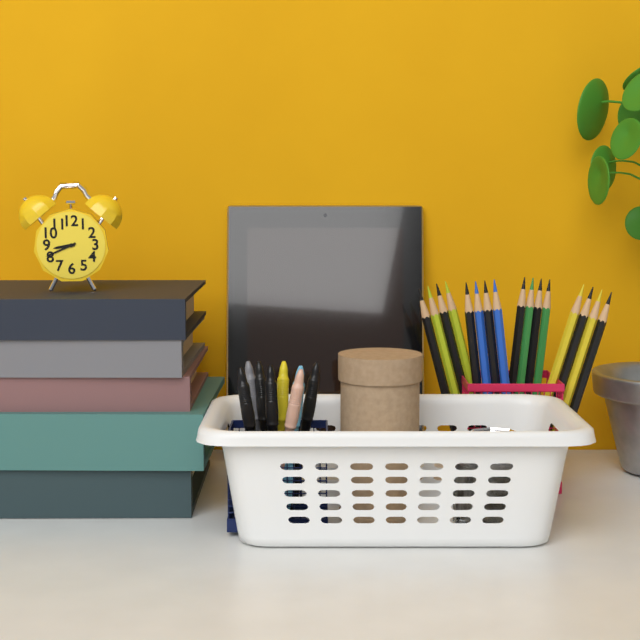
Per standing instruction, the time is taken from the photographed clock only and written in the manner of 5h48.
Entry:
8h41
